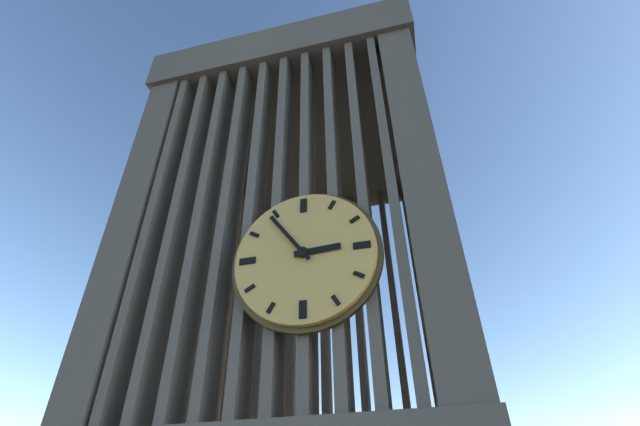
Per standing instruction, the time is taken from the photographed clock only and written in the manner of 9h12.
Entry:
2h54
